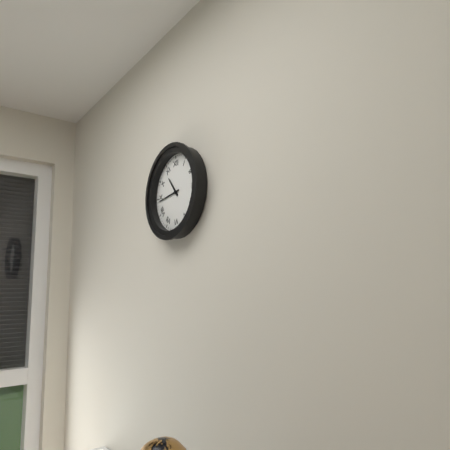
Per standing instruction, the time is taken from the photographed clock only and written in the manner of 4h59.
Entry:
10h44
